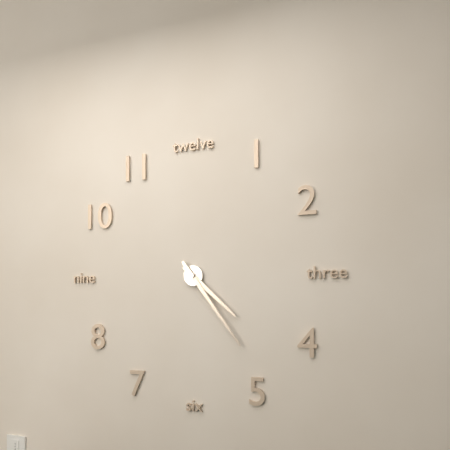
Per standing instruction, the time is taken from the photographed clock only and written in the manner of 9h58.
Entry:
4h24
